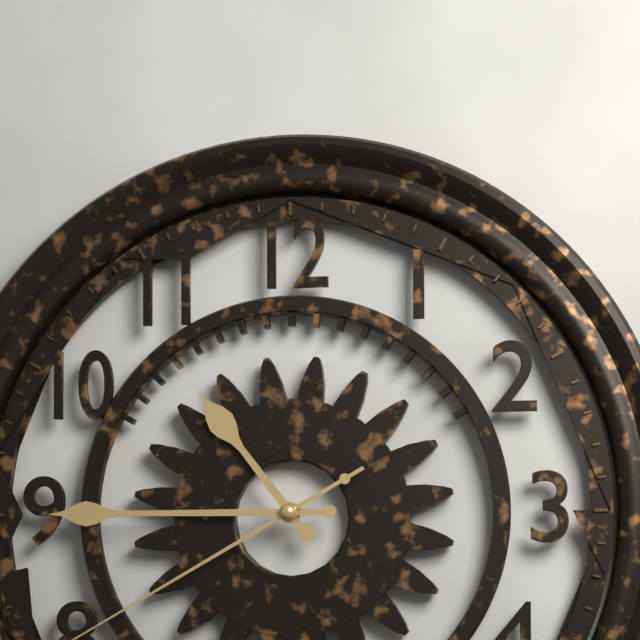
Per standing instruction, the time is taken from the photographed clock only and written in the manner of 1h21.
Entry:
10h45
